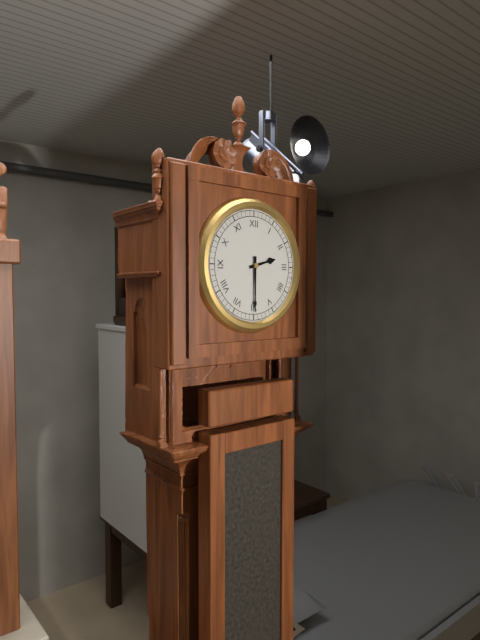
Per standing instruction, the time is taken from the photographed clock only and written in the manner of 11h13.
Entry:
2h30
